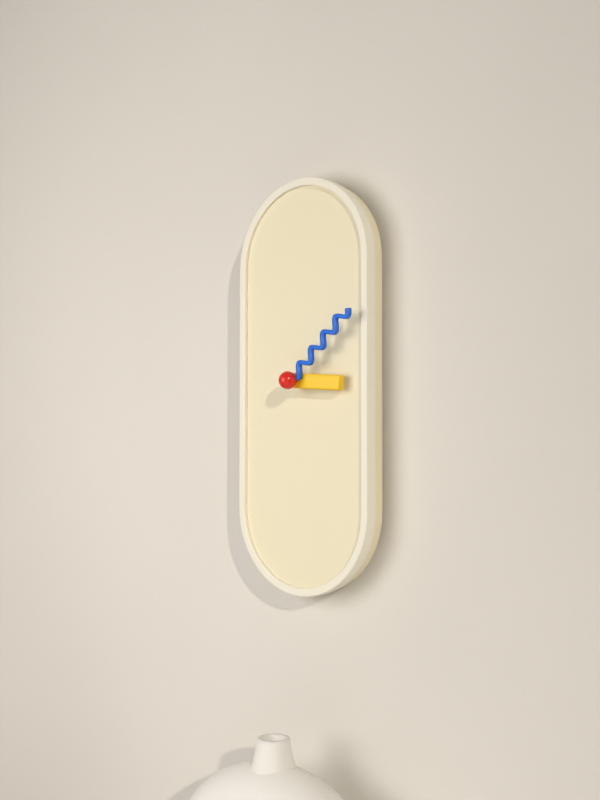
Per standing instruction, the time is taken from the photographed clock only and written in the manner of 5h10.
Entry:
3h08
